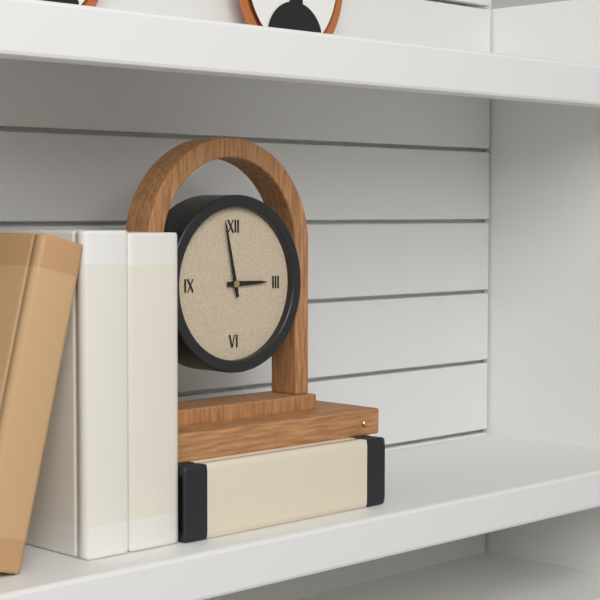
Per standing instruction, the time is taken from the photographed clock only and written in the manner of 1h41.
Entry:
2h58
